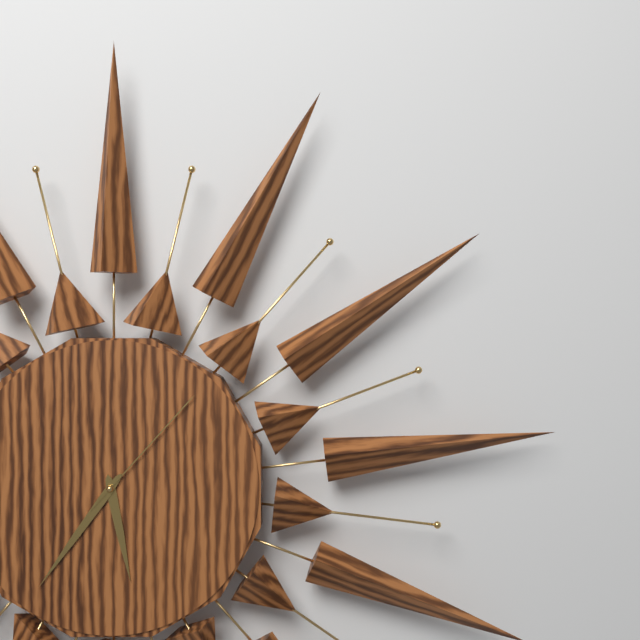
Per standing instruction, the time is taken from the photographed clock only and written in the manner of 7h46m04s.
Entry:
5h36m07s
